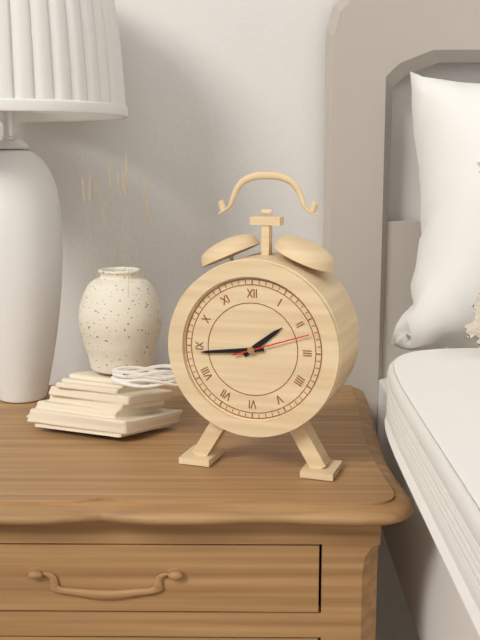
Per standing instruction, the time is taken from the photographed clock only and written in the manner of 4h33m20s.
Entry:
1h44m12s
